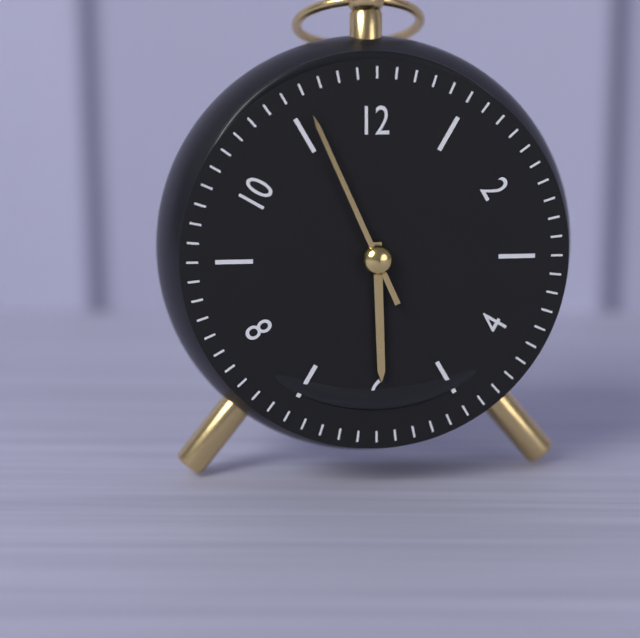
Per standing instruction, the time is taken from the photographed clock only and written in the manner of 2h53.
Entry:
5h56
